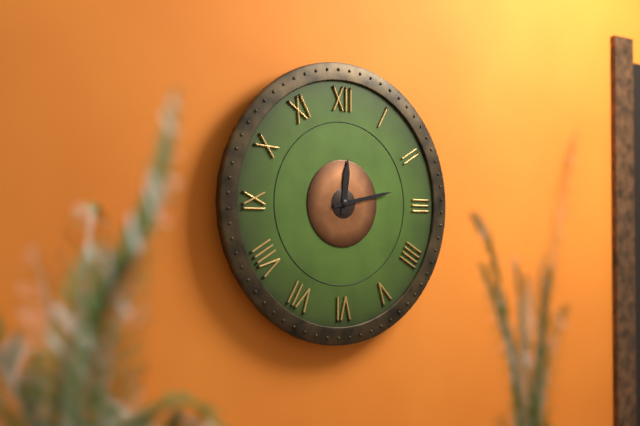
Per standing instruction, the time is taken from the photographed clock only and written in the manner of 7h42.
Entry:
12h13
